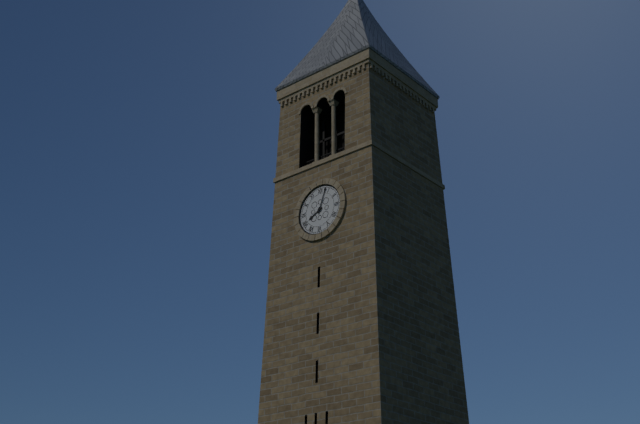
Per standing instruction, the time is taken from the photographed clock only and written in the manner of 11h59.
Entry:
8h03
